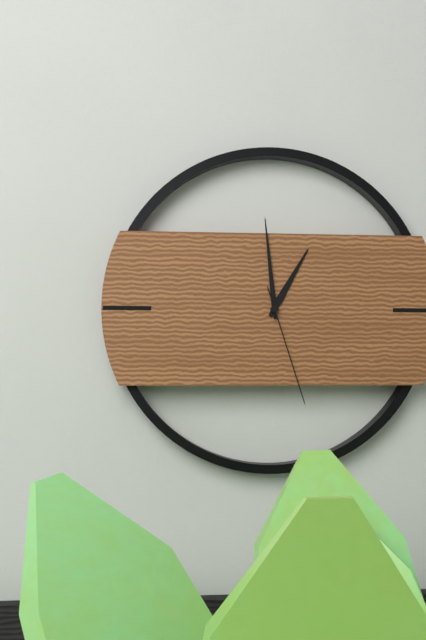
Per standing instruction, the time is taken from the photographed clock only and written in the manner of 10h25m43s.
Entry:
12h59m27s
